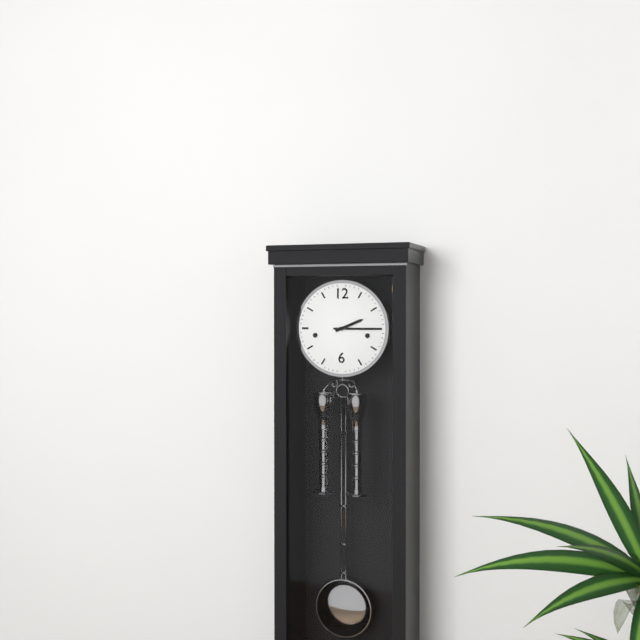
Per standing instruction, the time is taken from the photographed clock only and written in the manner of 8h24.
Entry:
2h15
